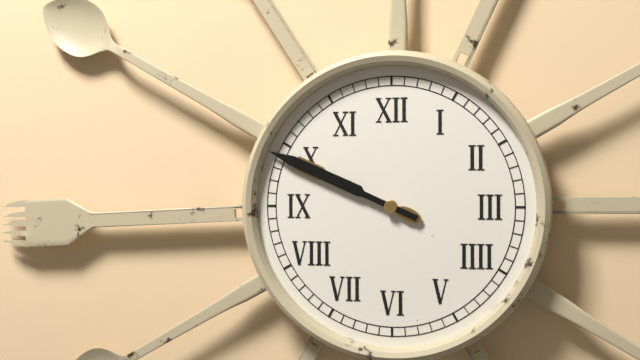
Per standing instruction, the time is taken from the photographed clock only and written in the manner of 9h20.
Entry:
9h49
